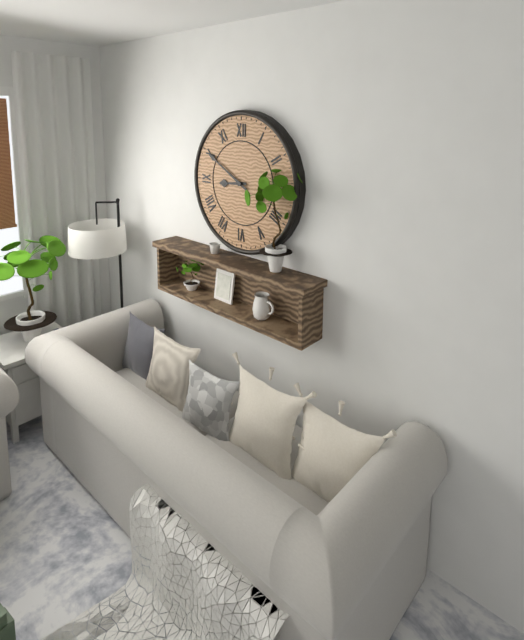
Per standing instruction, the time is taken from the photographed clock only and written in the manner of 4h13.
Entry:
8h50
